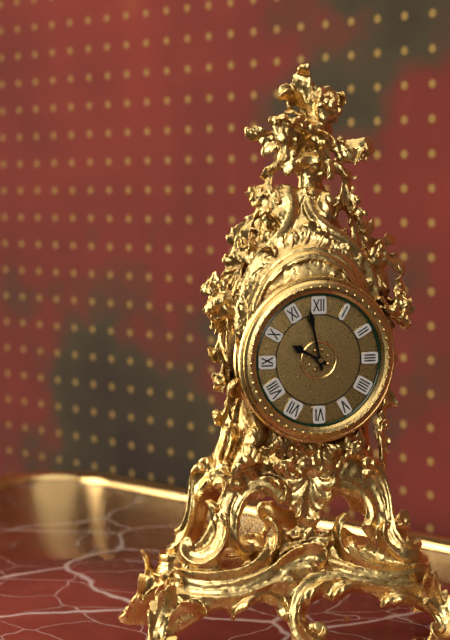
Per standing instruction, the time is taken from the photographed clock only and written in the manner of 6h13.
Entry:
9h58
